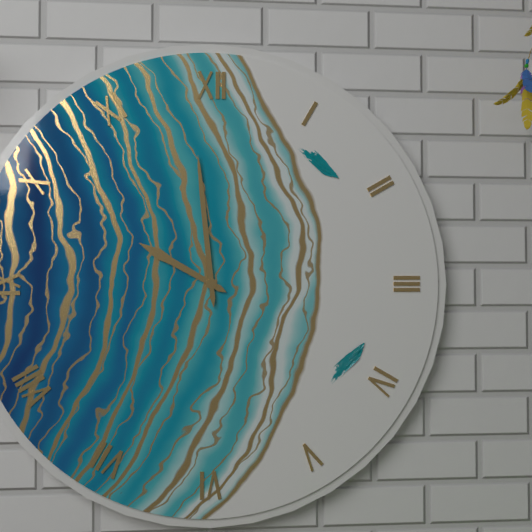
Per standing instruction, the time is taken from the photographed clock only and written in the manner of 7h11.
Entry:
9h59
